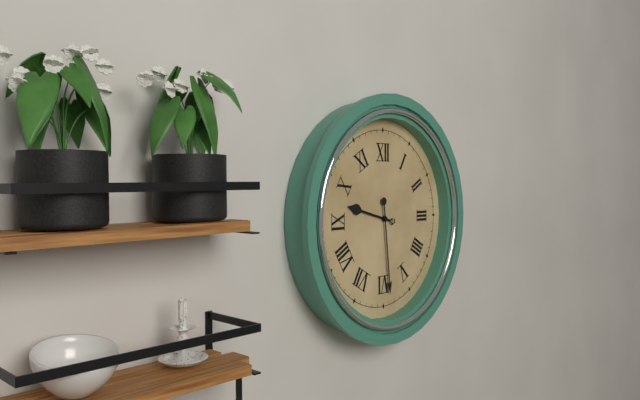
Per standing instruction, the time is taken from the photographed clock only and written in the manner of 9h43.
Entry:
9h29
